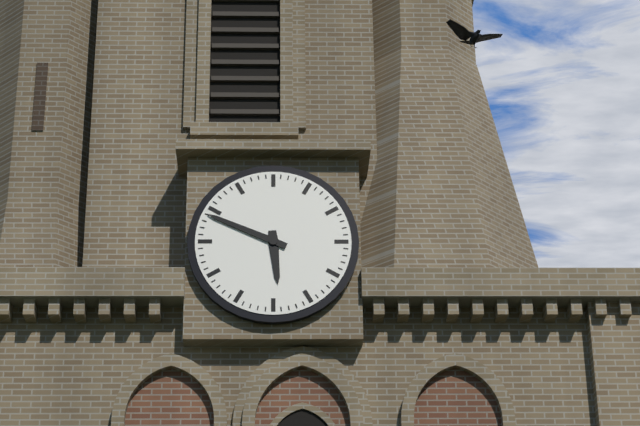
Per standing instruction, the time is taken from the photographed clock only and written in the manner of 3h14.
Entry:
5h49
